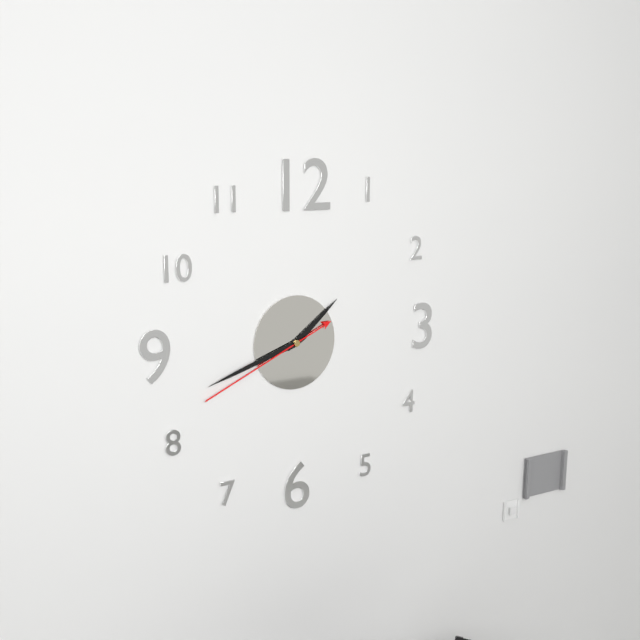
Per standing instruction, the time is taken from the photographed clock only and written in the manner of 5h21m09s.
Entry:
1h42m41s
